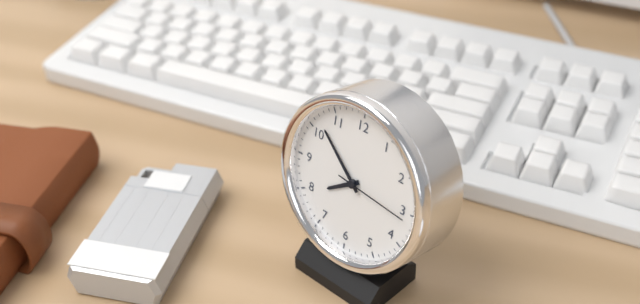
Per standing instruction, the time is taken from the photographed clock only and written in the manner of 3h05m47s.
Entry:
7h52m16s
